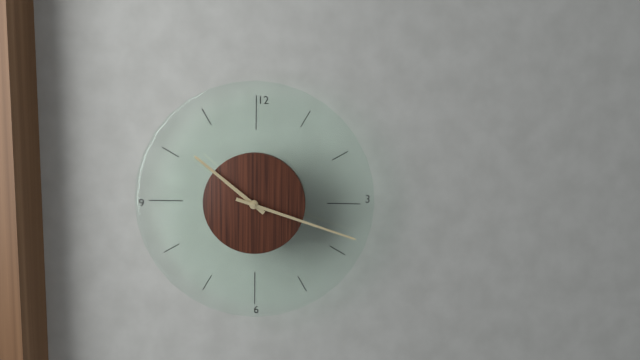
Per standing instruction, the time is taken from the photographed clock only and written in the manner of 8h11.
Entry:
10h18
